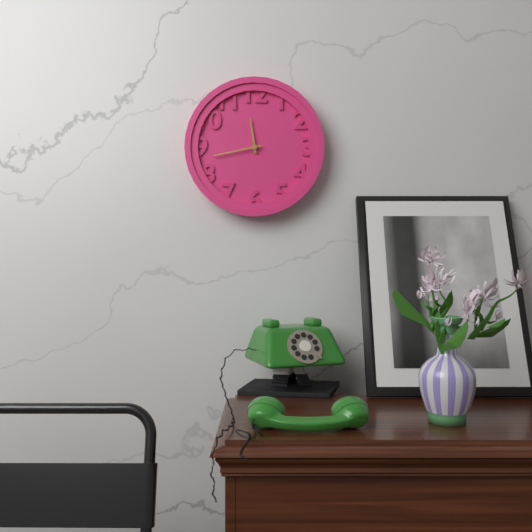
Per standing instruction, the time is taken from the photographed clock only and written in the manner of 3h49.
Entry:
11h43
